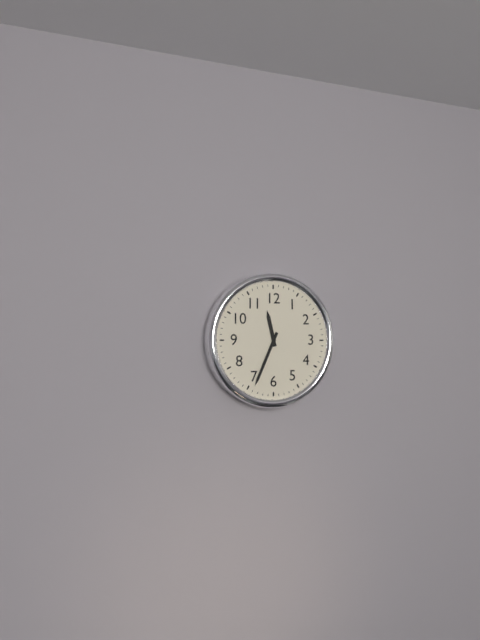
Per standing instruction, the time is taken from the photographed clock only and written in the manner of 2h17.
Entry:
11h34
